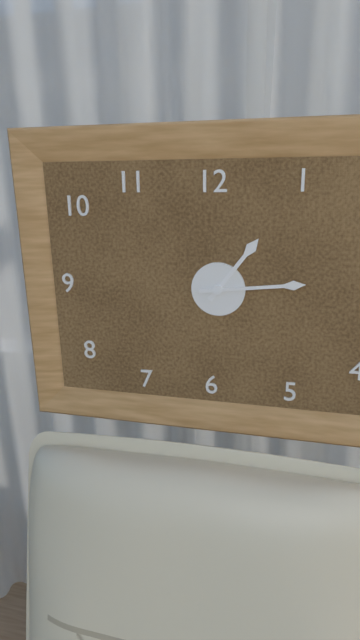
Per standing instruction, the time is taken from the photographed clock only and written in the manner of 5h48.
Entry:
1h14
